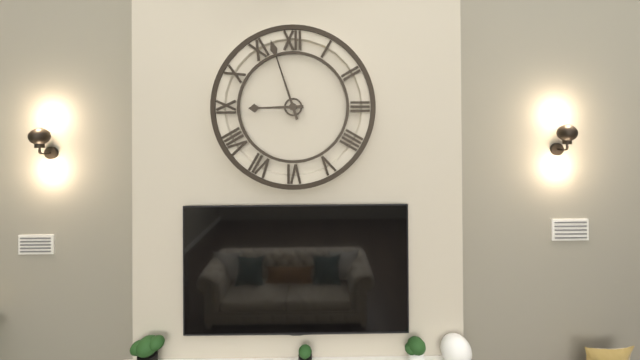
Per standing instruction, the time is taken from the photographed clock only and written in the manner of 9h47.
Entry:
8h57
